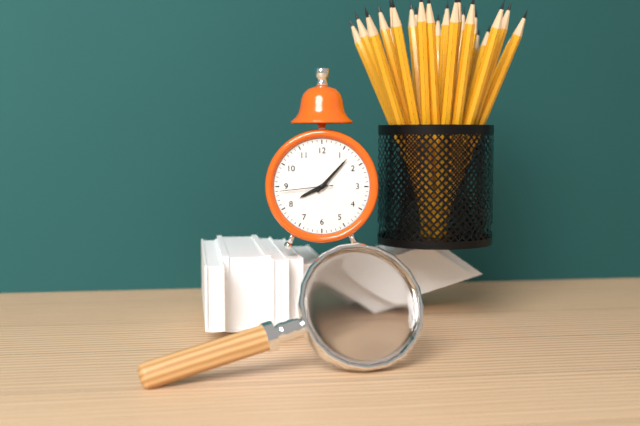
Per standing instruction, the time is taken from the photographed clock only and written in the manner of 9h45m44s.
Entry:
8h07m44s
